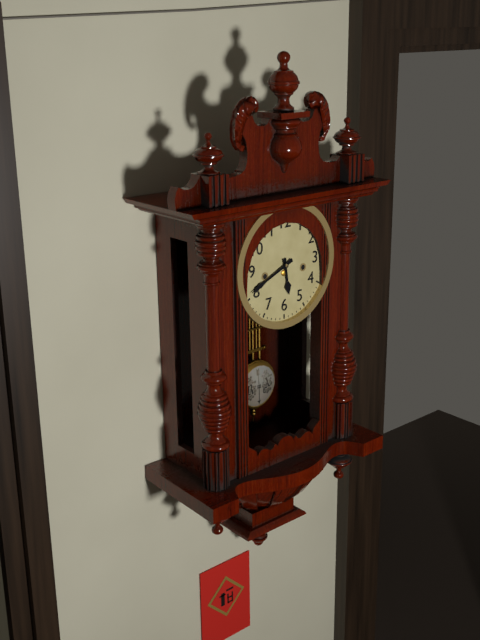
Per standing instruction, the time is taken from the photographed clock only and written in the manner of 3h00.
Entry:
5h41
